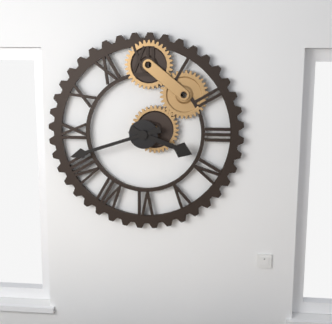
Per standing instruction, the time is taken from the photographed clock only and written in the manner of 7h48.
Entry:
3h42
